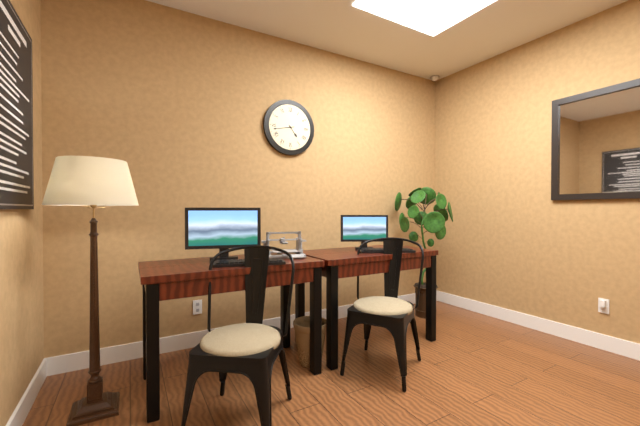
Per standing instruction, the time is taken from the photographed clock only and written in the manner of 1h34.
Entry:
4h43
